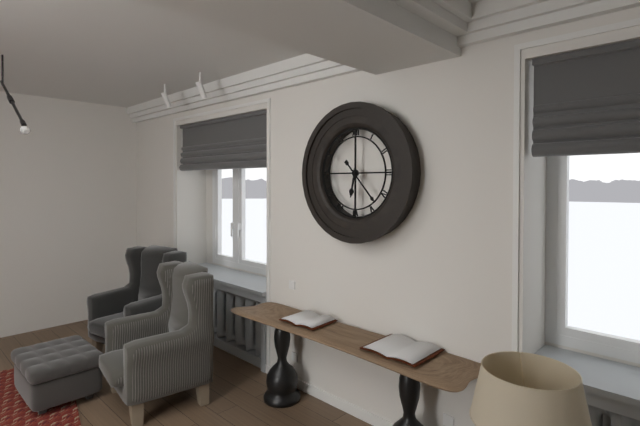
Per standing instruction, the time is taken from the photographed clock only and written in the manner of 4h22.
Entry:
6h23
